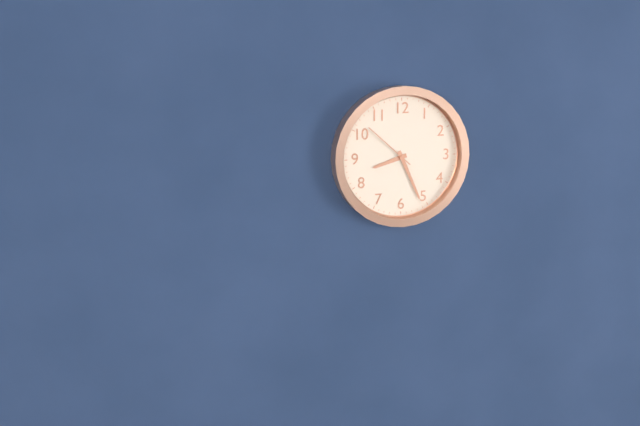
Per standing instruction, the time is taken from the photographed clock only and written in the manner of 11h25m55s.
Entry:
8h26m52s
